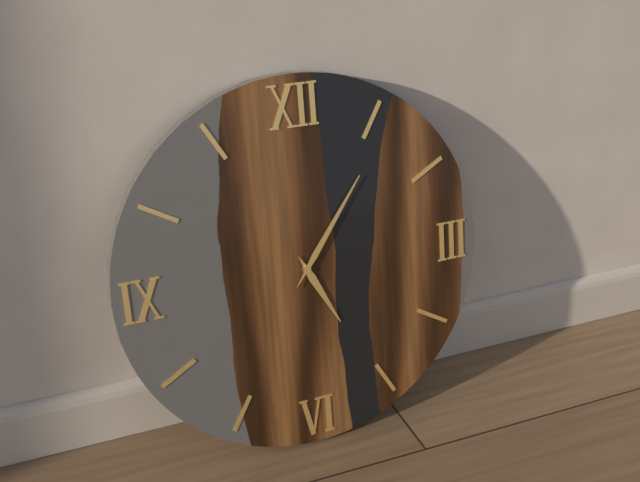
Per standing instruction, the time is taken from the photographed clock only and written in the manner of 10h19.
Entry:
5h06
